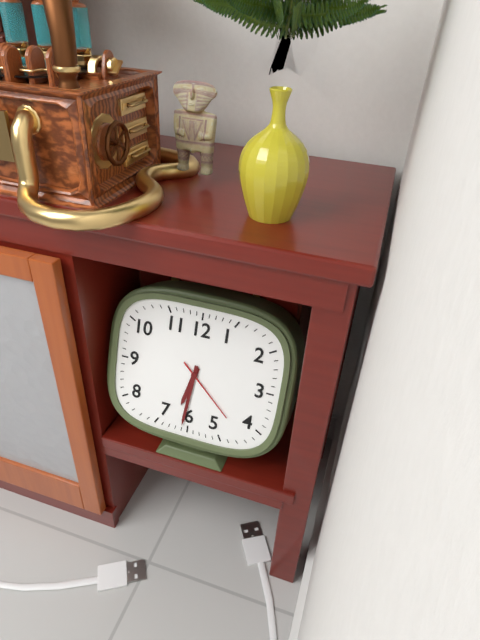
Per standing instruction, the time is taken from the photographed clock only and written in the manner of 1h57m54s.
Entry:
6h31m22s
